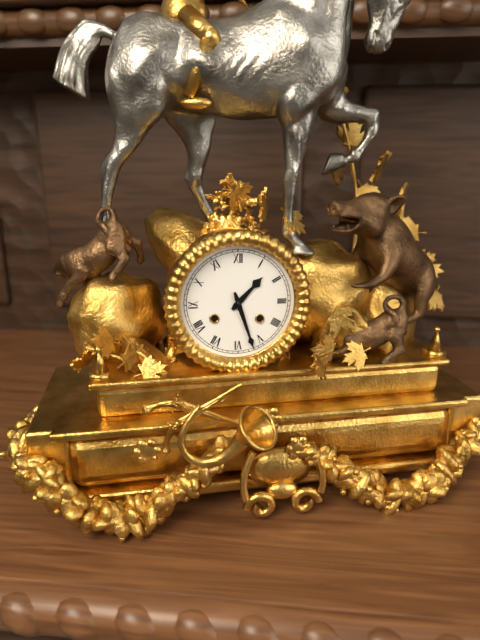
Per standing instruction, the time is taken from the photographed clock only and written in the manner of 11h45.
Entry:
1h27
